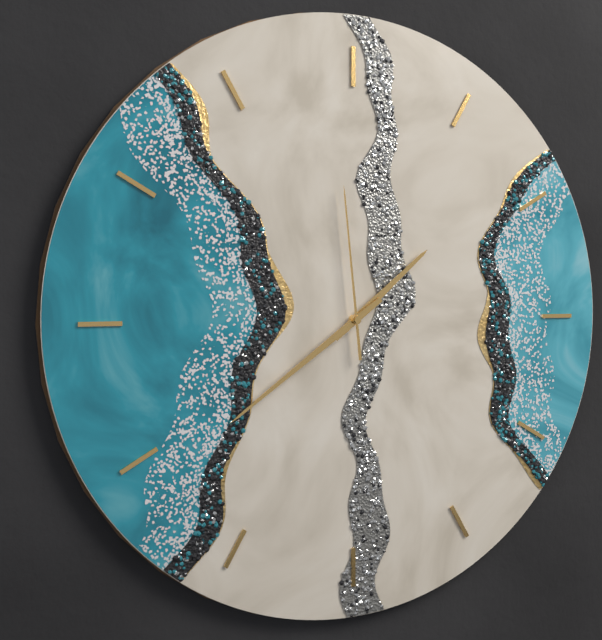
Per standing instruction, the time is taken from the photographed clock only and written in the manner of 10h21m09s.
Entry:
1h39m59s
